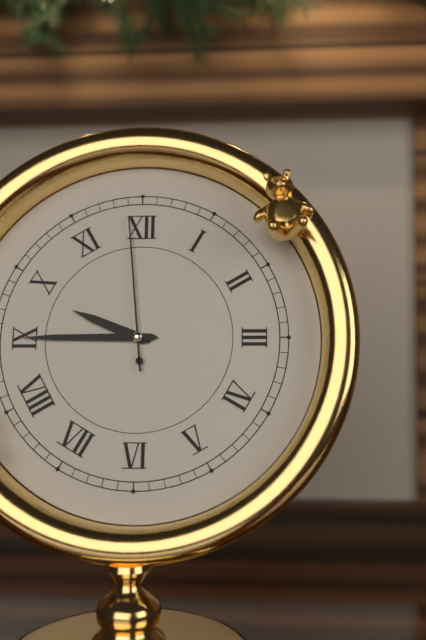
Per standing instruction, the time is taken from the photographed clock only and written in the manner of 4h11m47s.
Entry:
9h45m59s
